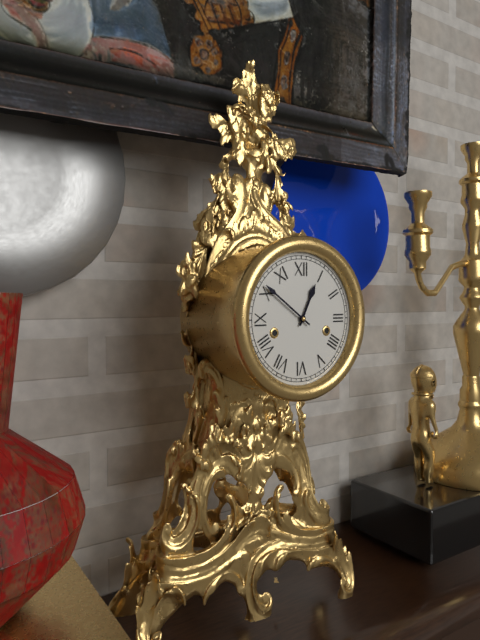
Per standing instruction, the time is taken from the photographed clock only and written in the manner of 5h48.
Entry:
12h51
